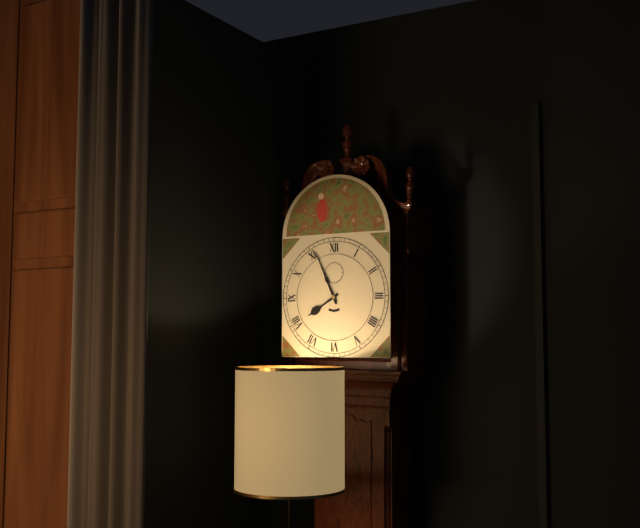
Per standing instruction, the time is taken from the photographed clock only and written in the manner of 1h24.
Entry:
7h56
